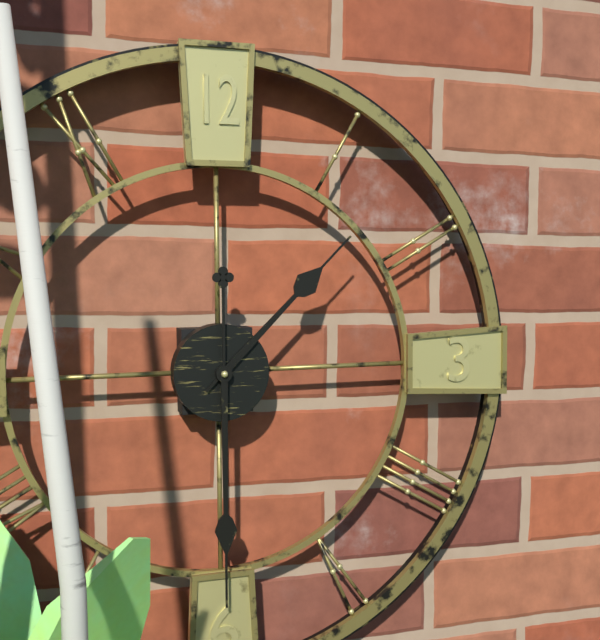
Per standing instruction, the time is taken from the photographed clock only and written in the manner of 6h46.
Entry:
1h30
